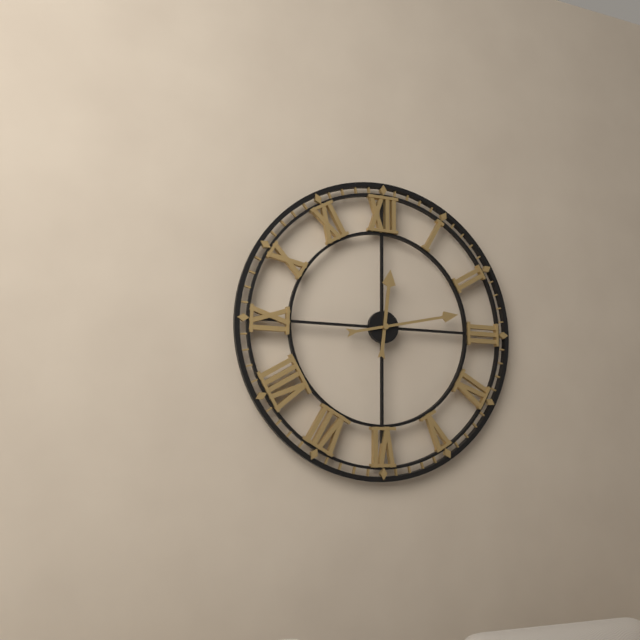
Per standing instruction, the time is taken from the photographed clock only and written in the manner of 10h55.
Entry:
12h13
